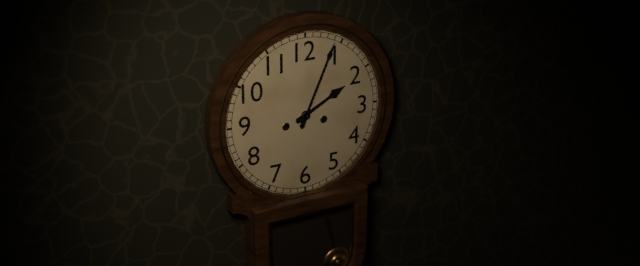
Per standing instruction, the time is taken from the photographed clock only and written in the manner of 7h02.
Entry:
2h04
